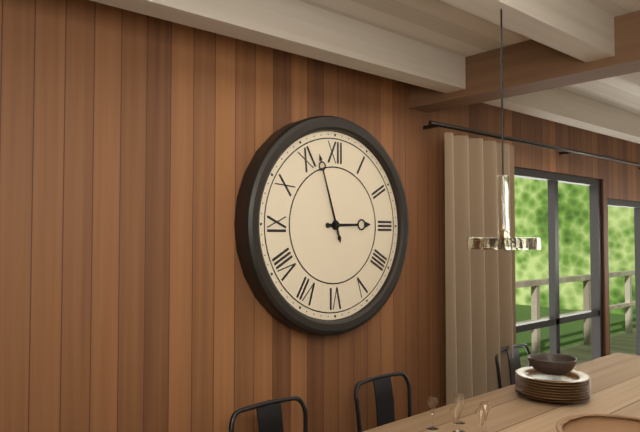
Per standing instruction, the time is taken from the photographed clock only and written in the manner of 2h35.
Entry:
2h57
